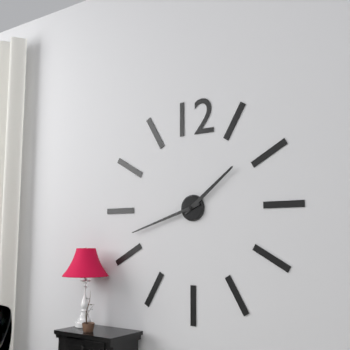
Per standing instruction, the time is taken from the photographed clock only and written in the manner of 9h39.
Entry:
1h42
